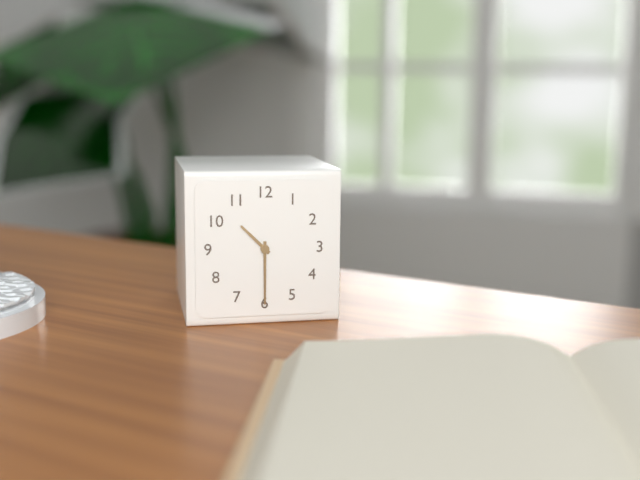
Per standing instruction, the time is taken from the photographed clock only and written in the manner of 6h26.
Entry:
10h30
